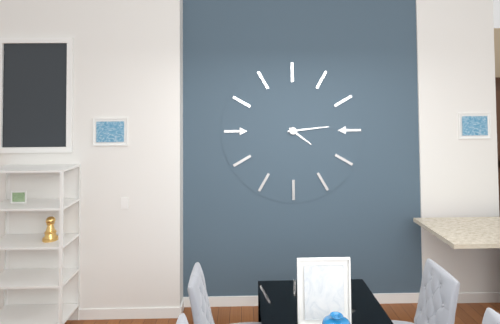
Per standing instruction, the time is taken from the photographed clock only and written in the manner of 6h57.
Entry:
4h14
